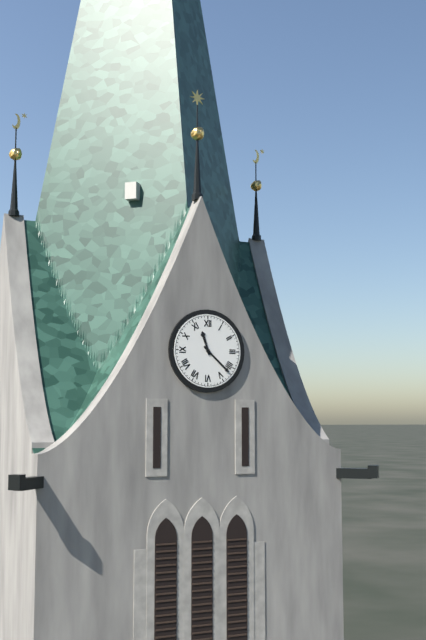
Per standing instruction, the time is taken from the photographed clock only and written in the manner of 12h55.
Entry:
11h22
